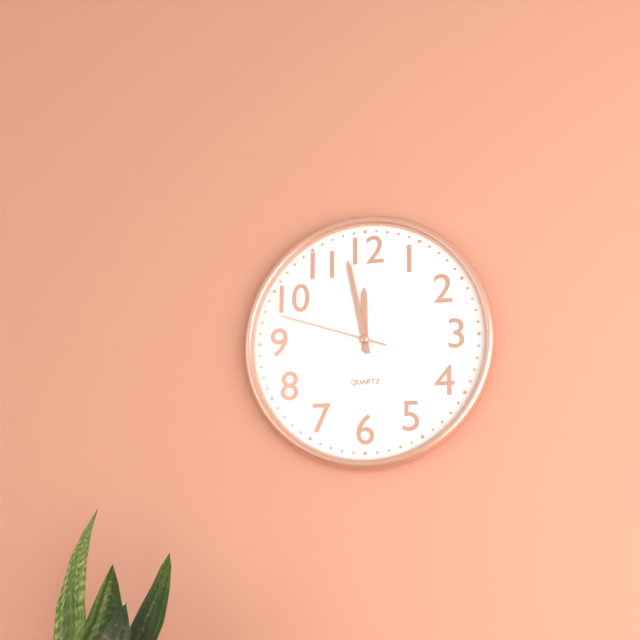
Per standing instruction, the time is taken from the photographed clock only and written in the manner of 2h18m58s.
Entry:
11h58m48s
